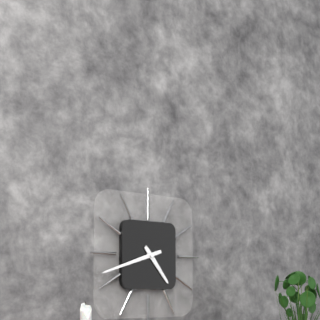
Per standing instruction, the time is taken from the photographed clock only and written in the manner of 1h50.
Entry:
4h42
